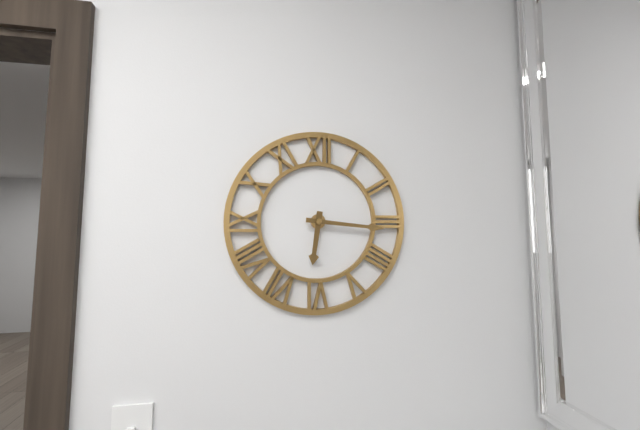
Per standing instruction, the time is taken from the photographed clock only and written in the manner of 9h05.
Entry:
6h16
